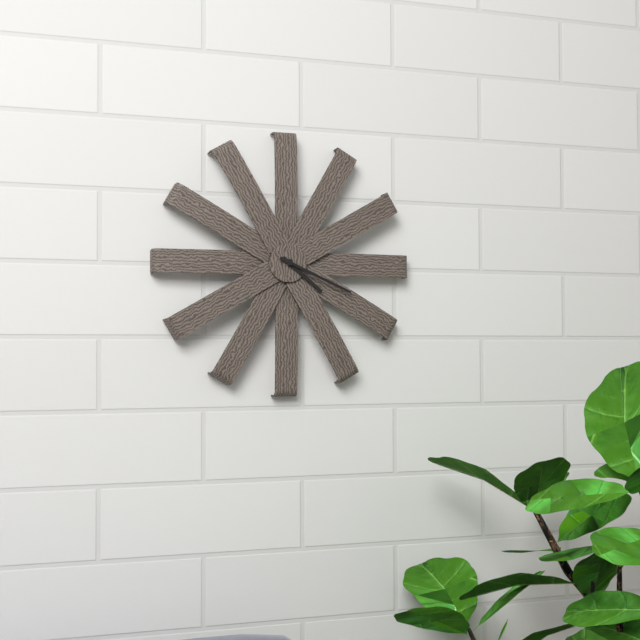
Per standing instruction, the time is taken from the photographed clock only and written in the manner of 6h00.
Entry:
4h19
